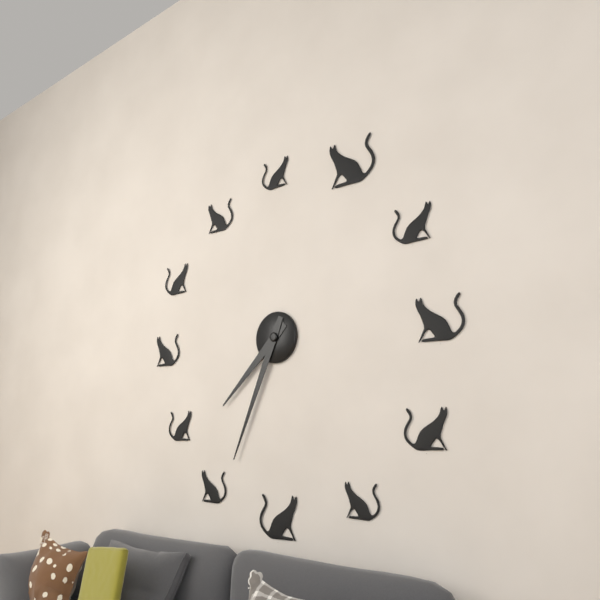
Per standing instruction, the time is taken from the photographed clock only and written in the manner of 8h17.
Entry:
7h34
